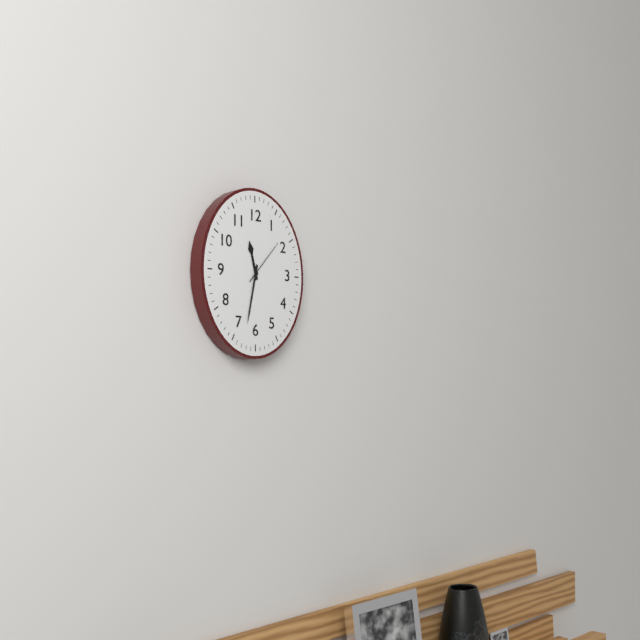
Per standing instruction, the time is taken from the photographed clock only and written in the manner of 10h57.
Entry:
11h32
